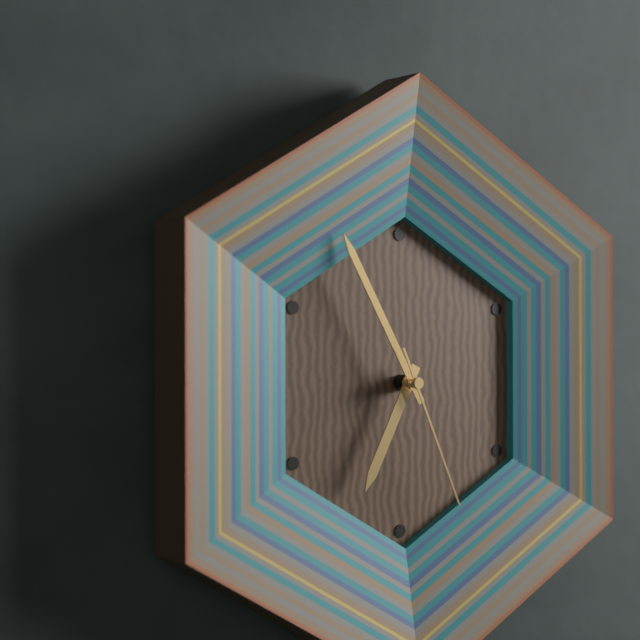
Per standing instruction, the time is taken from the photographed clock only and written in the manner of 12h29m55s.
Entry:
6h55m26s
